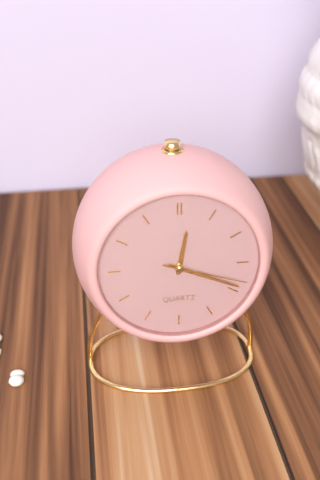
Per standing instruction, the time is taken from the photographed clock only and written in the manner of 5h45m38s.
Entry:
12h19m18s
